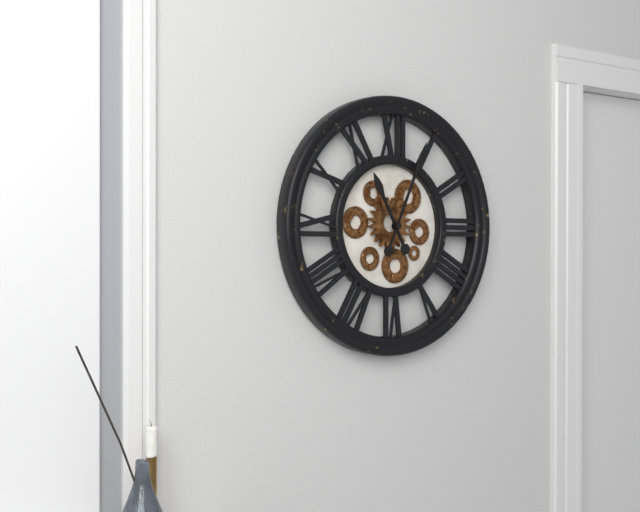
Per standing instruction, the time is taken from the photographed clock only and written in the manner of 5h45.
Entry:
11h04
